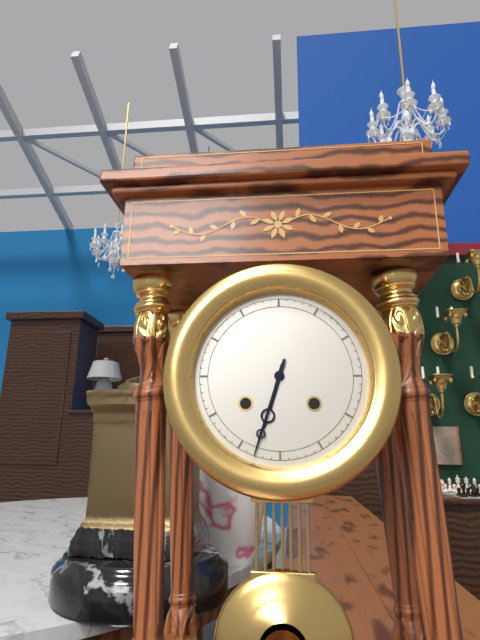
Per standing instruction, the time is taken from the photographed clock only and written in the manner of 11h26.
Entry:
6h33
